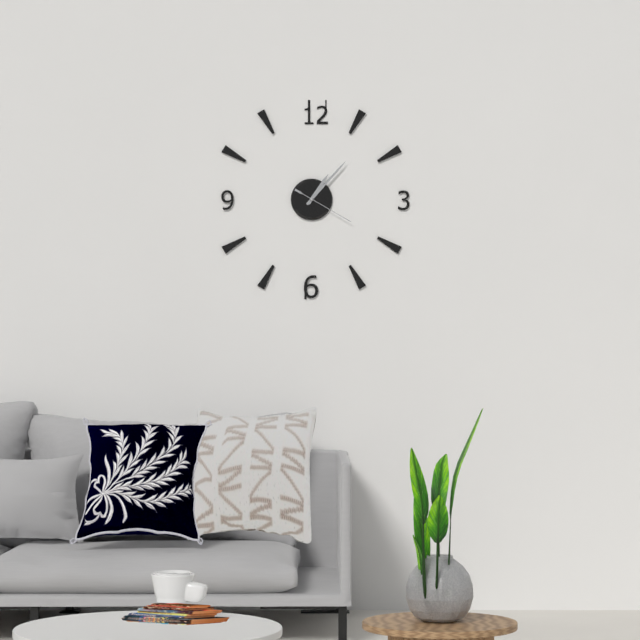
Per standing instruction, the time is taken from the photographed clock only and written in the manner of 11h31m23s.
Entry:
1h07m20s
